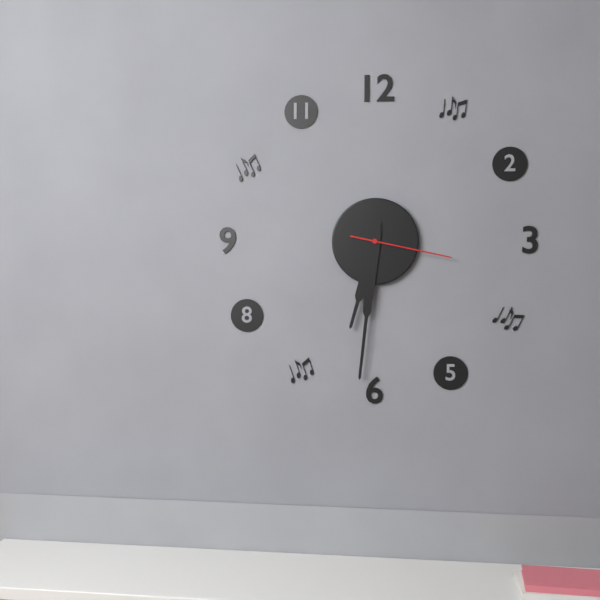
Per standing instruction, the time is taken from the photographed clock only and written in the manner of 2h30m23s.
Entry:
6h31m17s
